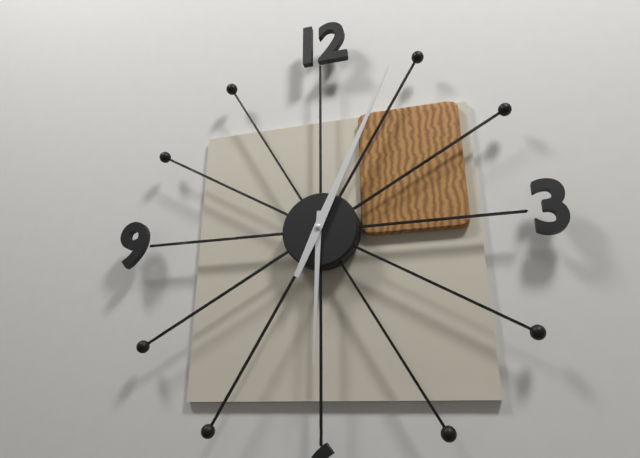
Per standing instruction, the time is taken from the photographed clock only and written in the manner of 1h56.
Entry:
6h04
